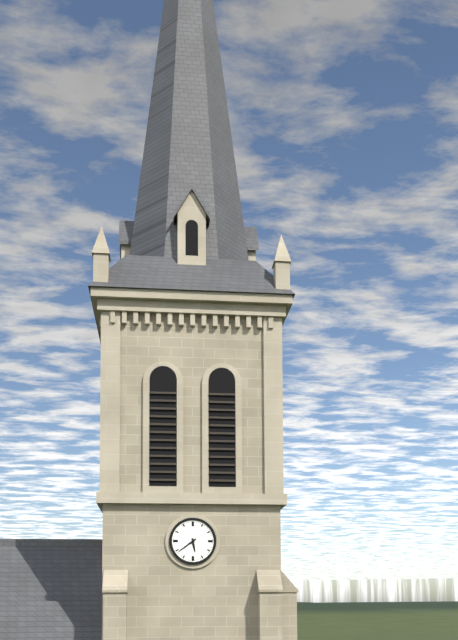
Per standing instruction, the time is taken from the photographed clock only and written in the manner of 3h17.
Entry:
5h39
